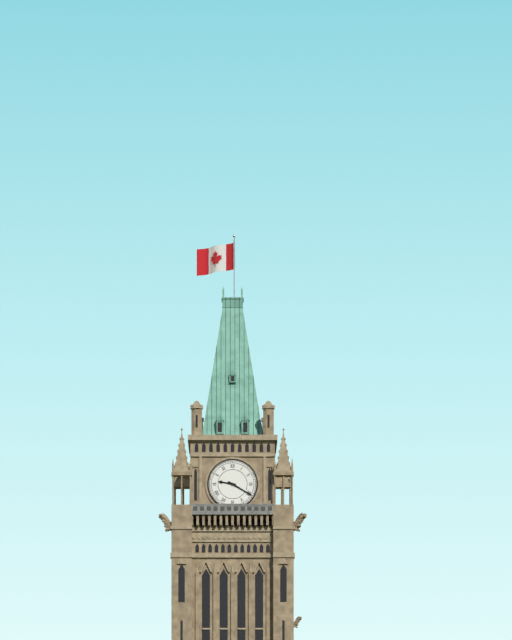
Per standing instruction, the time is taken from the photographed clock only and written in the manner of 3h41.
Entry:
9h20
